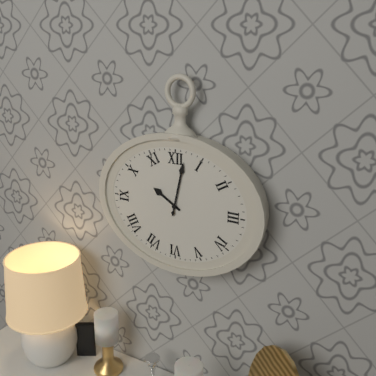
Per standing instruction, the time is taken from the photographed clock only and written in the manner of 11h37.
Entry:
10h02
